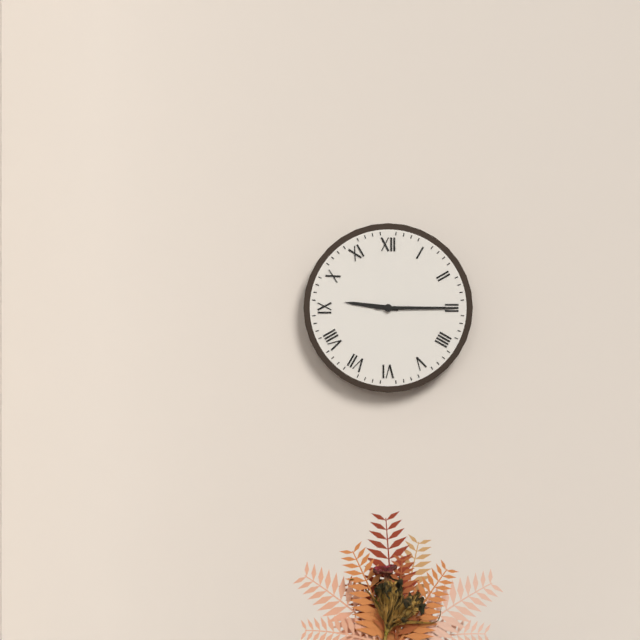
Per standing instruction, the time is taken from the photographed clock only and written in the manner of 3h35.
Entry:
9h15
